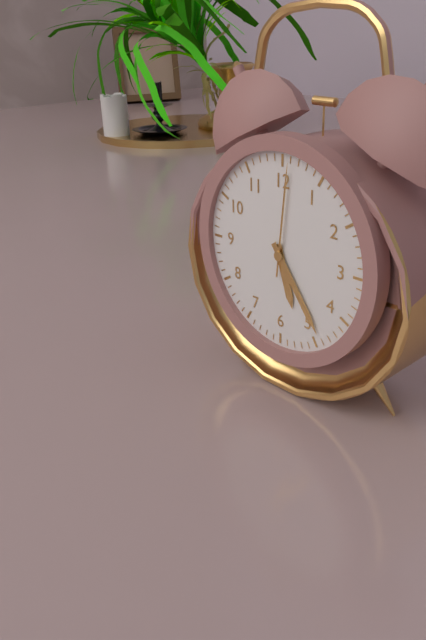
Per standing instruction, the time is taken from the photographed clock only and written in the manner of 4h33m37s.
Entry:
5h24m01s
